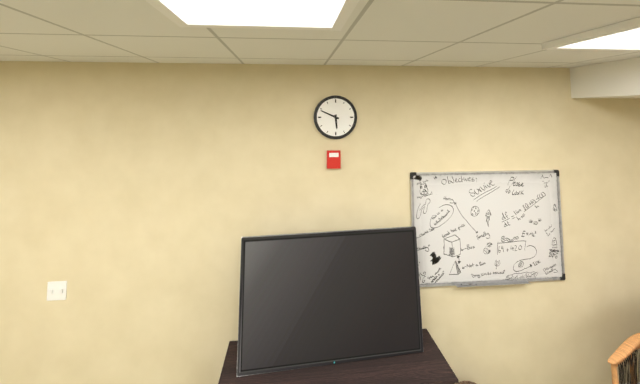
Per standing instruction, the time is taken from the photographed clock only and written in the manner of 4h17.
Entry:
5h49
